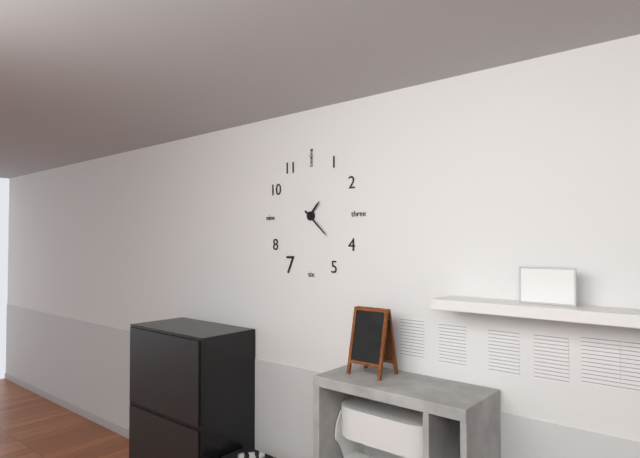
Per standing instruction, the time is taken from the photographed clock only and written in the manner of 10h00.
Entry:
1h22
